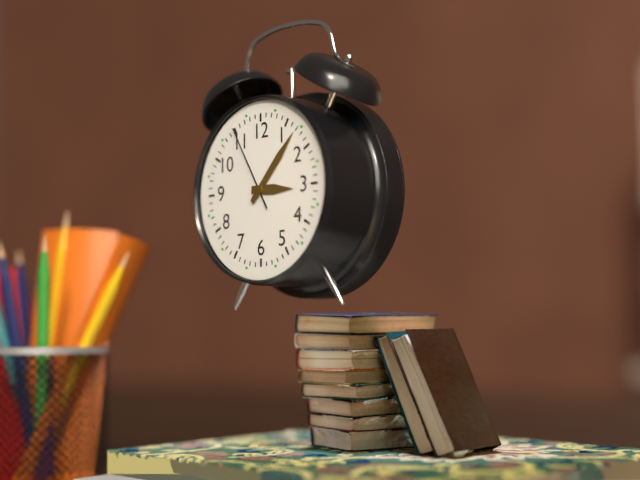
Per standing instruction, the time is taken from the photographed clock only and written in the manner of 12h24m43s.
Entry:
3h07m55s
